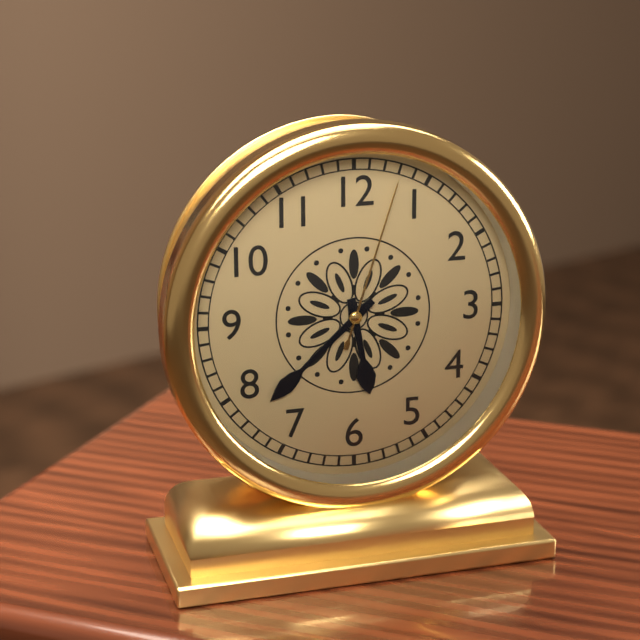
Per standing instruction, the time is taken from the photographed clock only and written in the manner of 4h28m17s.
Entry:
5h38m03s
